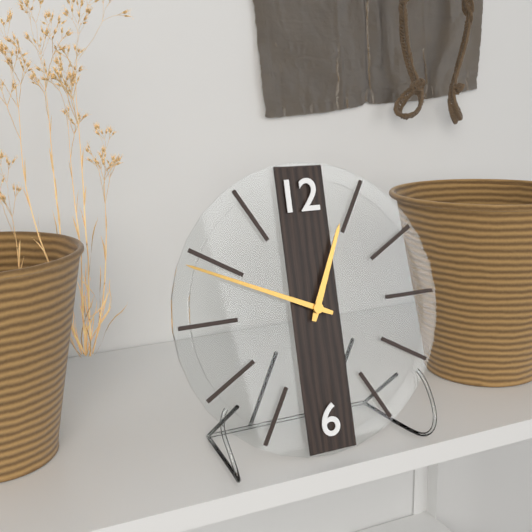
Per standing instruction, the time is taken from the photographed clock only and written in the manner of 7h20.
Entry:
12h49
